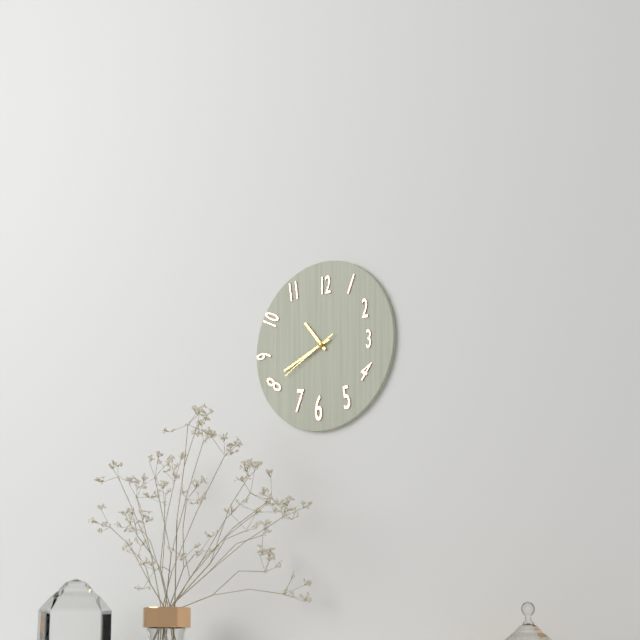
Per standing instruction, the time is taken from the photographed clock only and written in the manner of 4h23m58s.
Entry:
10h41m40s
